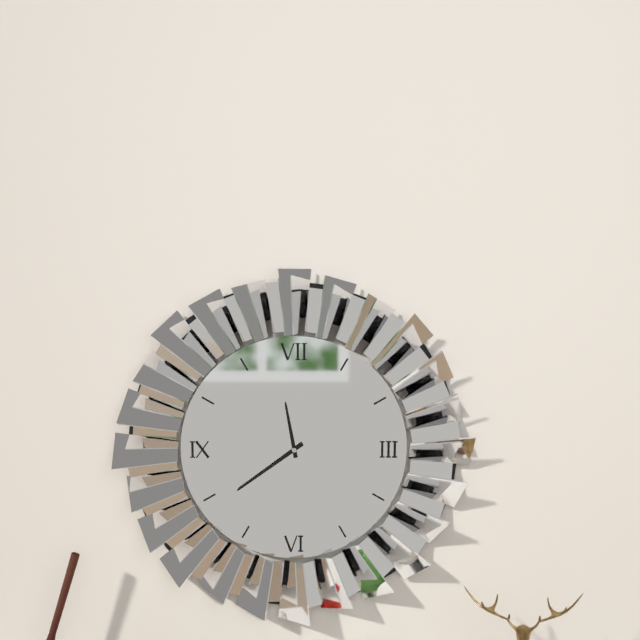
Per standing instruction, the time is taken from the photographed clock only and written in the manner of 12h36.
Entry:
11h39
